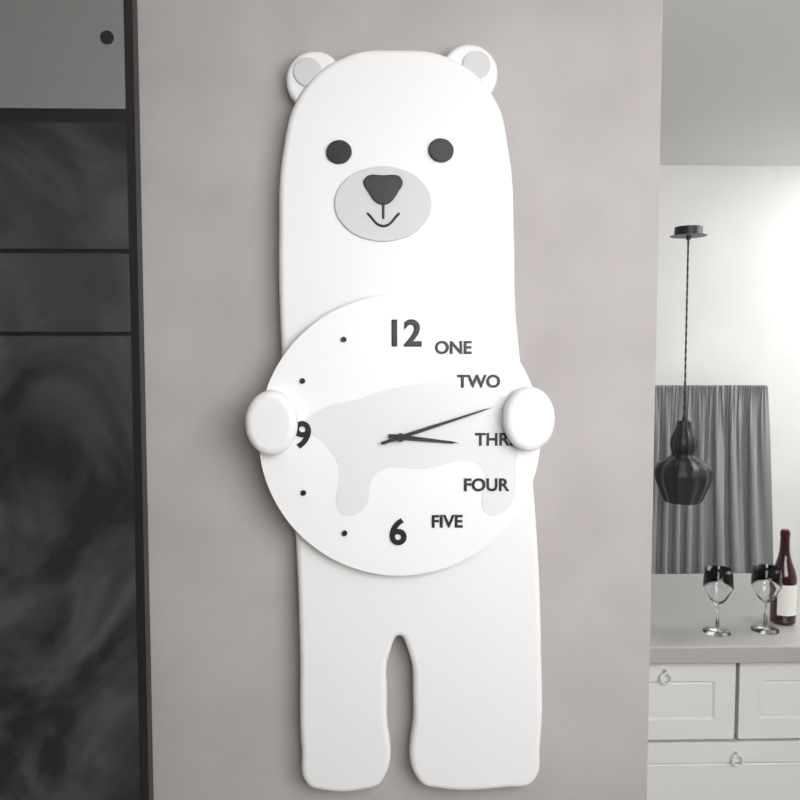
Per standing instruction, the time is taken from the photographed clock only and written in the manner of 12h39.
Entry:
3h12
